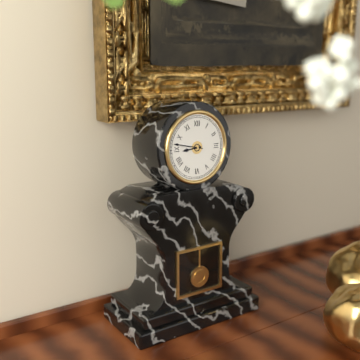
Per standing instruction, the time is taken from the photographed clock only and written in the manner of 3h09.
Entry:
8h47
